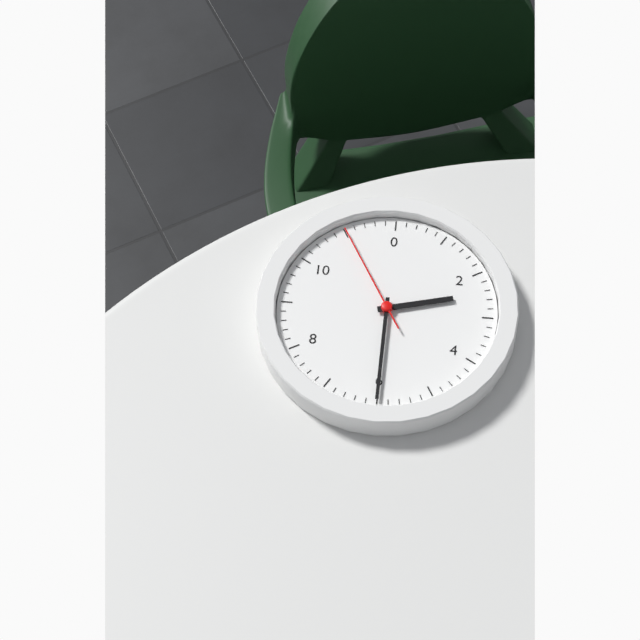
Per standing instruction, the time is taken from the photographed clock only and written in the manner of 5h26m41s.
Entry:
2h30m55s
